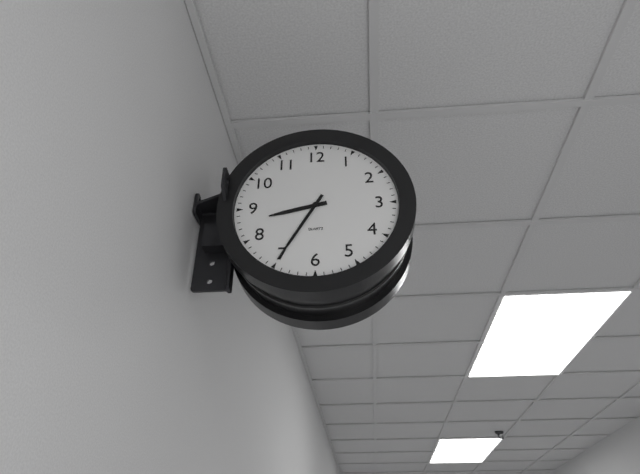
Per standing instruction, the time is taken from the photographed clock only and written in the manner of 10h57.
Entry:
8h35
